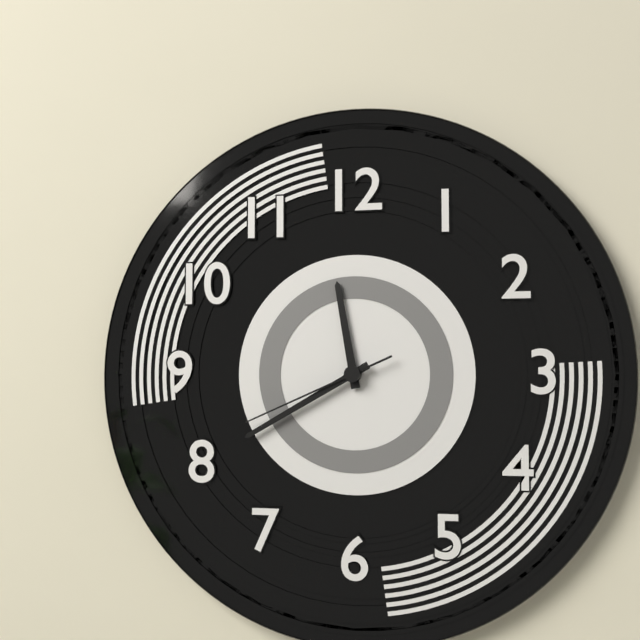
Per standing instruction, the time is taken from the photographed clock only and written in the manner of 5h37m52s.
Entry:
11h40m41s
